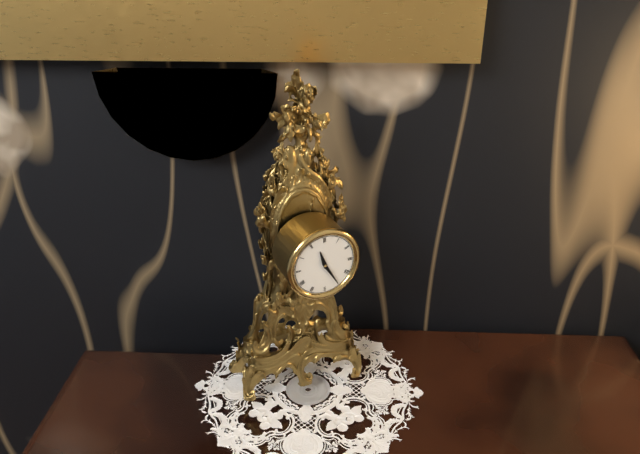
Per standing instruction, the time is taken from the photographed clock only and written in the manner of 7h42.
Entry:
11h25
